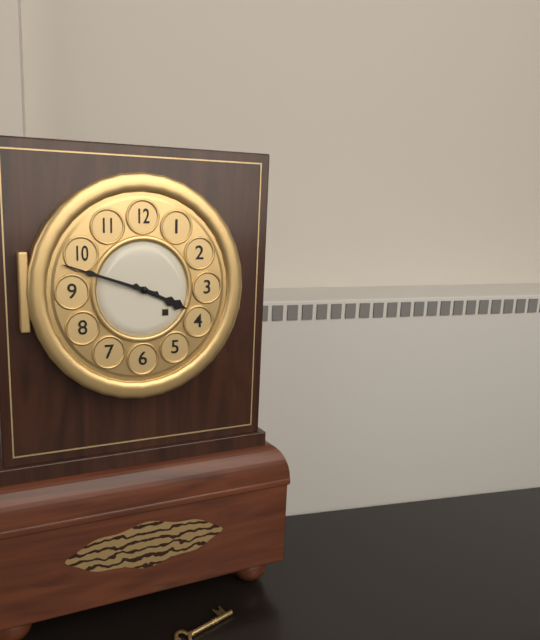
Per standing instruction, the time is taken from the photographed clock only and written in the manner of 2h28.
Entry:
3h48
